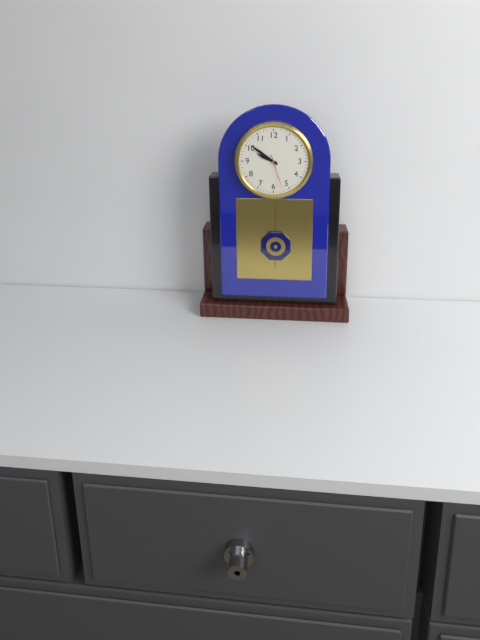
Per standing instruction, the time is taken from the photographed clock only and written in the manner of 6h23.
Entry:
9h51
